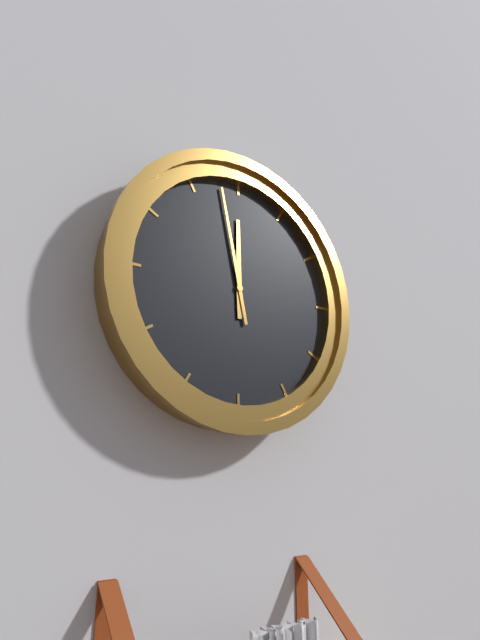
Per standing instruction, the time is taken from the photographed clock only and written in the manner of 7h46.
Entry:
11h58
